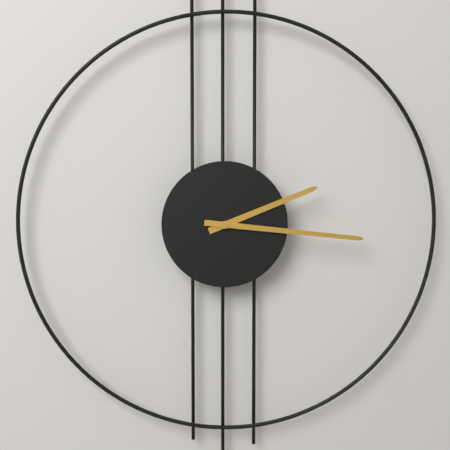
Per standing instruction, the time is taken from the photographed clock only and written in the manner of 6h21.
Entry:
2h16
